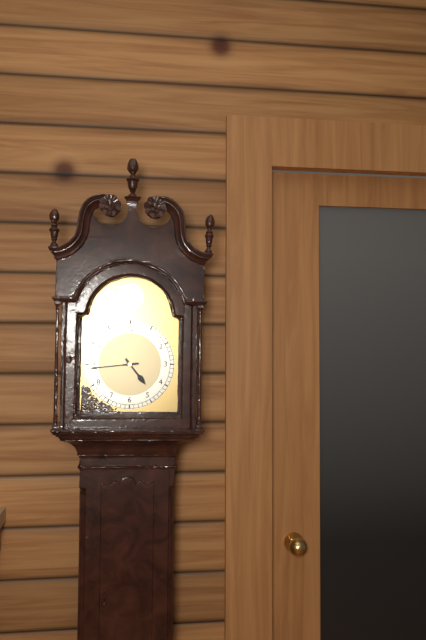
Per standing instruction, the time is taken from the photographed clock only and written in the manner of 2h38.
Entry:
4h44
